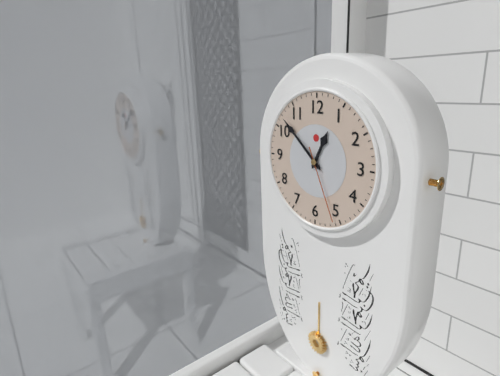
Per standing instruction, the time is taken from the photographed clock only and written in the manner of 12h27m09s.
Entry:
12h52m26s
